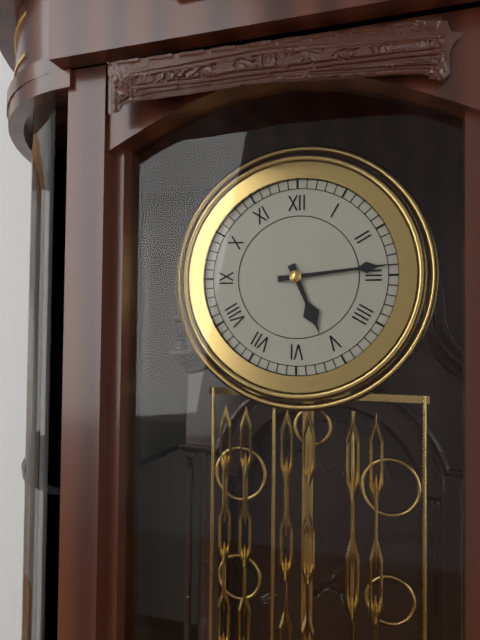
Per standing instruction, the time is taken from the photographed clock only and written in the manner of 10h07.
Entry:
5h14
